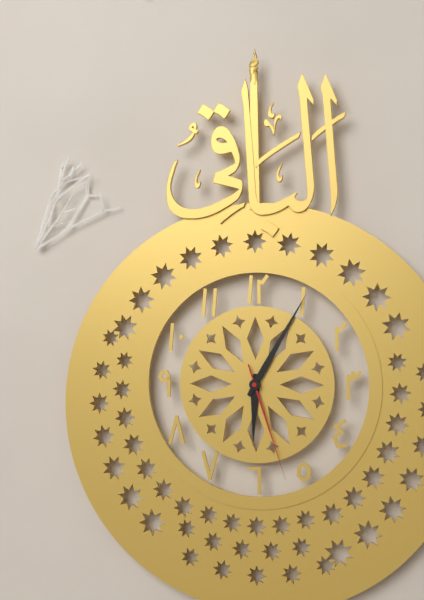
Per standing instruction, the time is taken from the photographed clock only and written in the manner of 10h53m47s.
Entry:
6h05m27s
